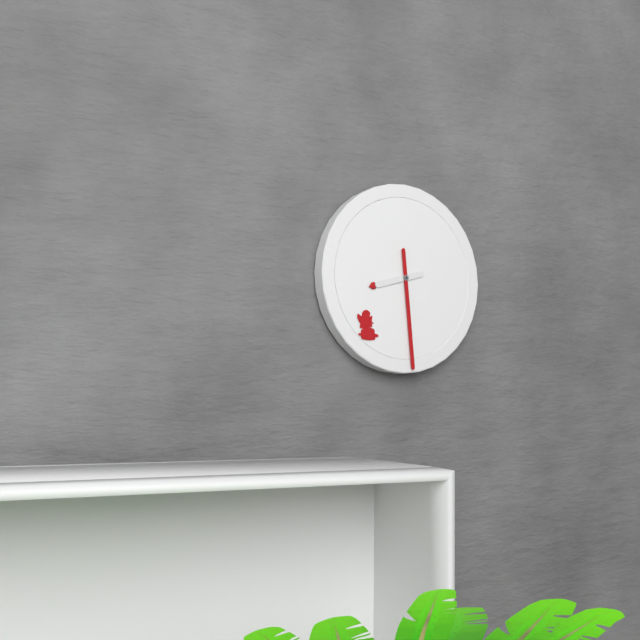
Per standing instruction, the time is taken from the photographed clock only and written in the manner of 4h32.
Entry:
8h29
